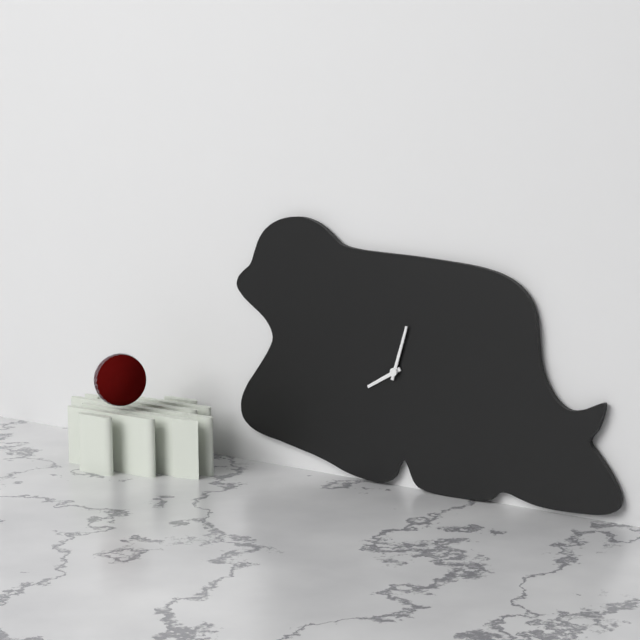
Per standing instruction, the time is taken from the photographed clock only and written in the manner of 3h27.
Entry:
8h03
